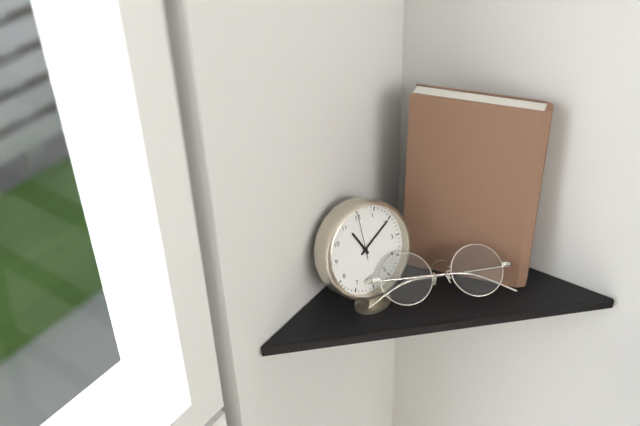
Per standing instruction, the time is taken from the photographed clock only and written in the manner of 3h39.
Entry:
11h10
